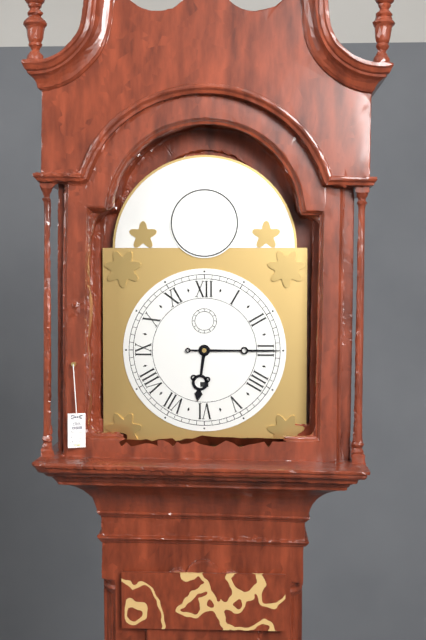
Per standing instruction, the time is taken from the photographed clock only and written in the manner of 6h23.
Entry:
6h15
